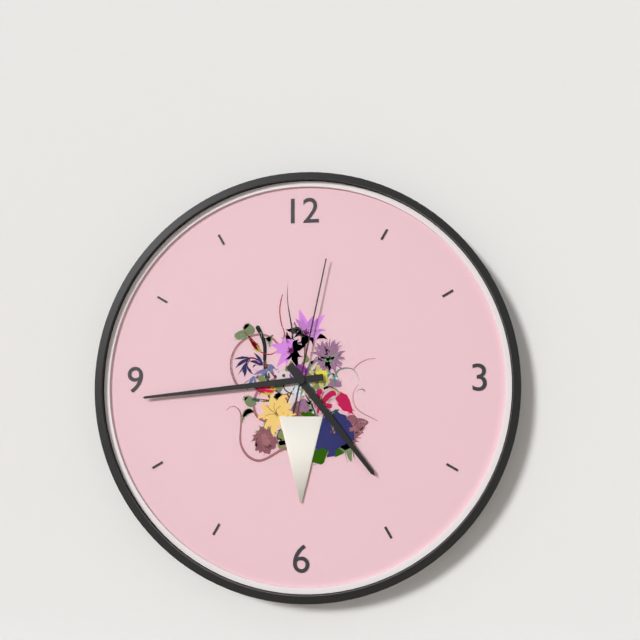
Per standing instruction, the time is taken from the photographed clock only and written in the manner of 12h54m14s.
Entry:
4h44m02s
